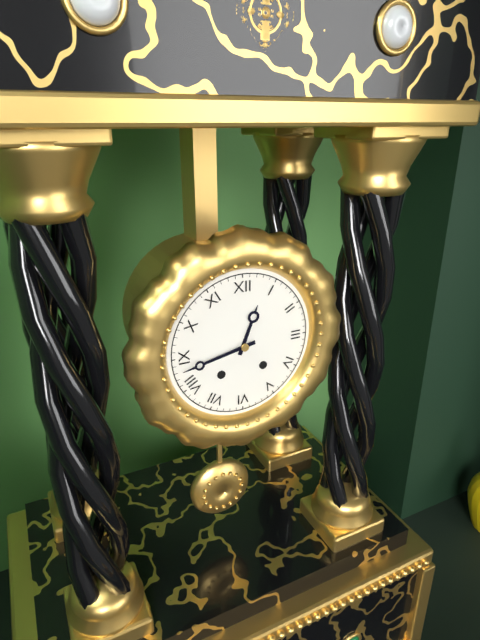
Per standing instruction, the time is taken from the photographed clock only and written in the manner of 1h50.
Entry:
12h43
